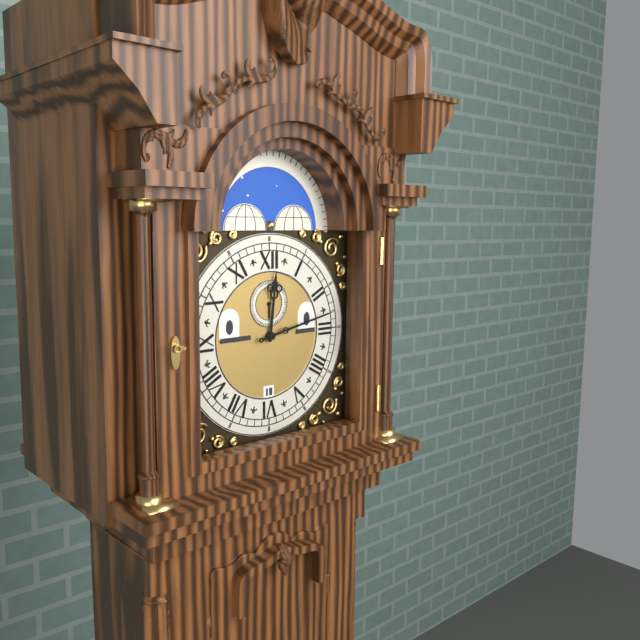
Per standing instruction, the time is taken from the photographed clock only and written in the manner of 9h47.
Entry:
12h13
